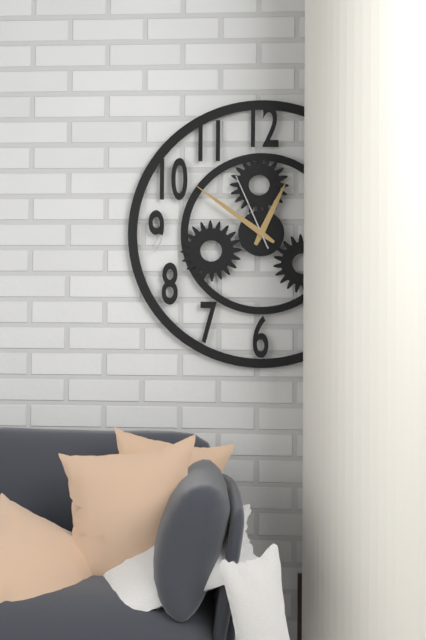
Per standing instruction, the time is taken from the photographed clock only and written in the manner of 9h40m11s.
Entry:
12h51m56s
